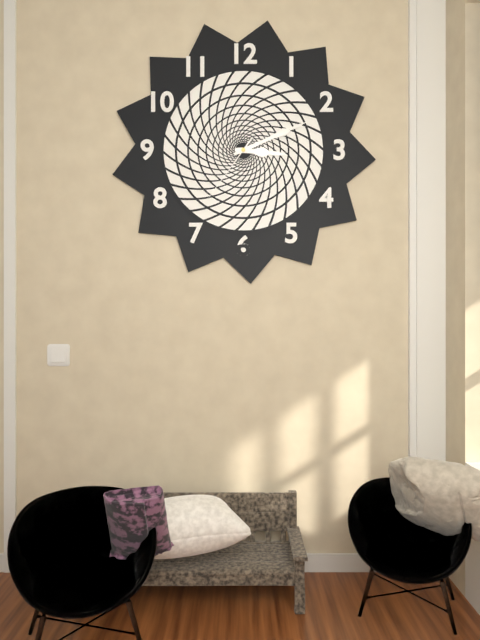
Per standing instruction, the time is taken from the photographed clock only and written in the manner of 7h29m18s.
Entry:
3h11m36s
